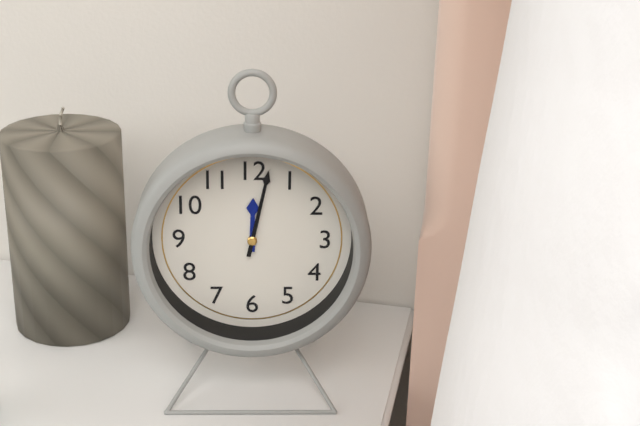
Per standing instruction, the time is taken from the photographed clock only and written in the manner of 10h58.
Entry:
12h02
